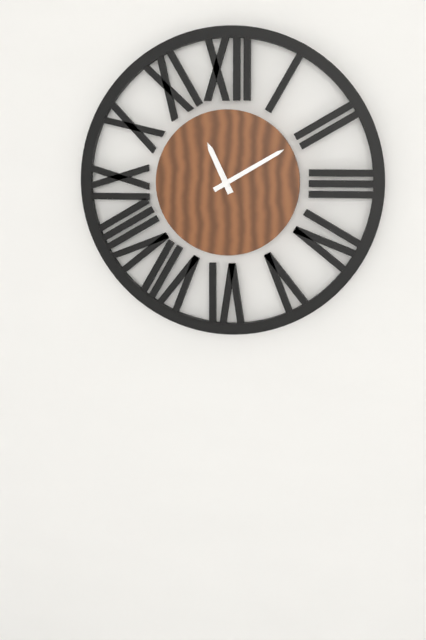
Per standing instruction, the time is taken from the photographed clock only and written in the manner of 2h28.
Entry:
11h10
